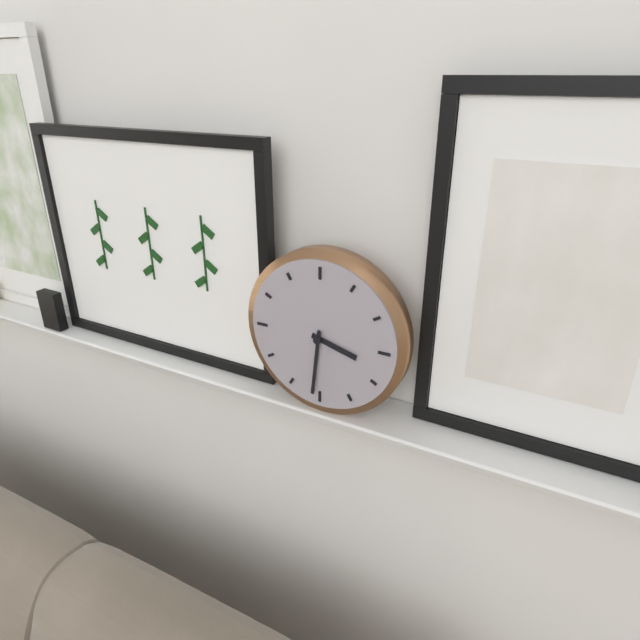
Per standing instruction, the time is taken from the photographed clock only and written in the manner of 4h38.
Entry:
3h31
